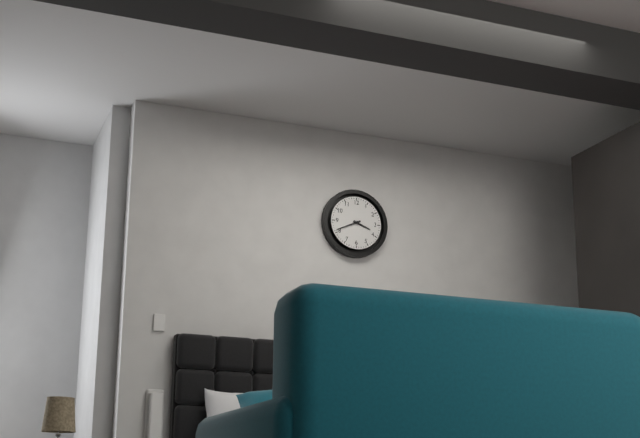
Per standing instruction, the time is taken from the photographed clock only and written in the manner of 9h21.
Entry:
3h41
